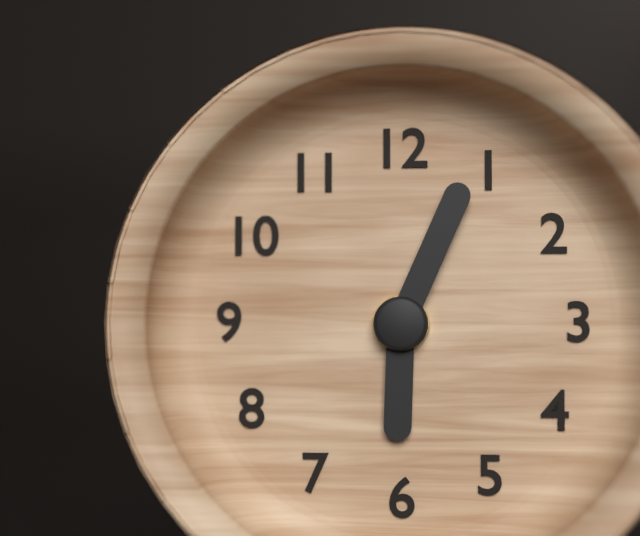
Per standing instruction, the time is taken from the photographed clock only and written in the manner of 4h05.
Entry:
6h04
